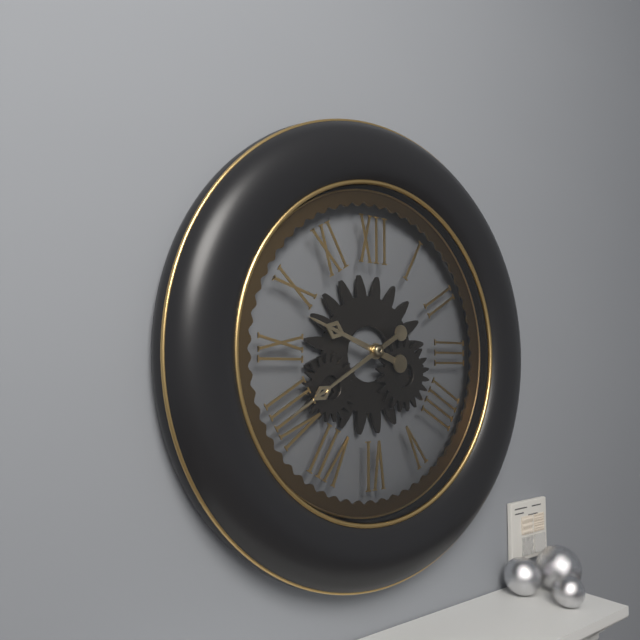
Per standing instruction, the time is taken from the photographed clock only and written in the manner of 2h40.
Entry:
9h40
